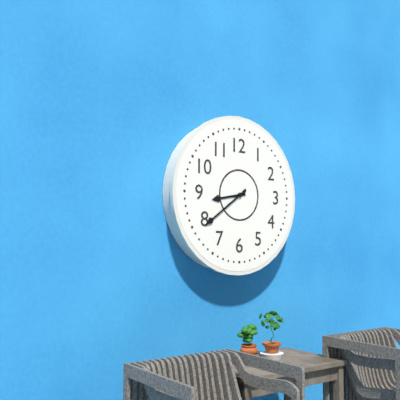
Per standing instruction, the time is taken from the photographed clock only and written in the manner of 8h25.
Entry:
8h39
